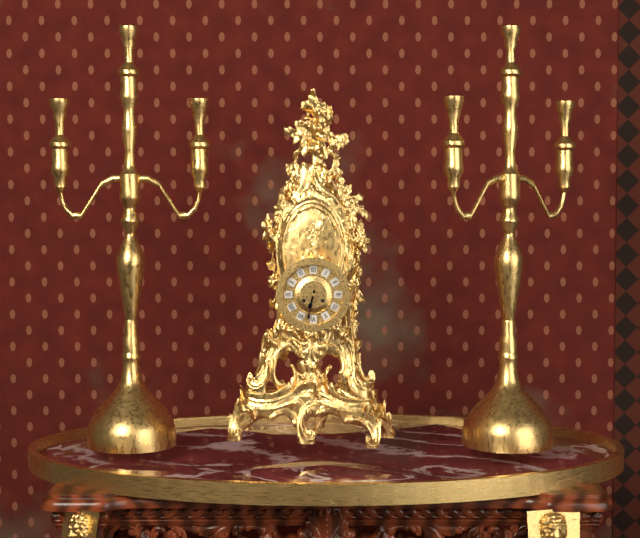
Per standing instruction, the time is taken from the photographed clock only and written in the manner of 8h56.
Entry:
6h32
